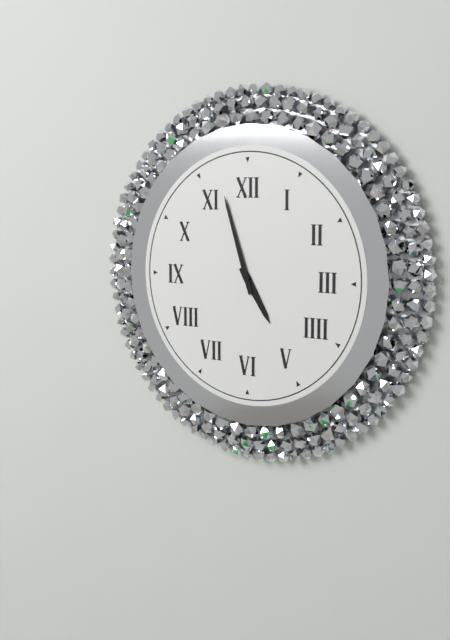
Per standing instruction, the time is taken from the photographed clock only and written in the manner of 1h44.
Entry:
4h57
